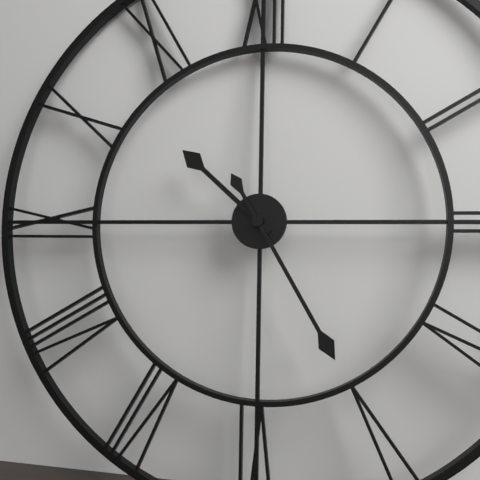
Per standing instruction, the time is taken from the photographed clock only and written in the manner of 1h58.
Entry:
10h25
